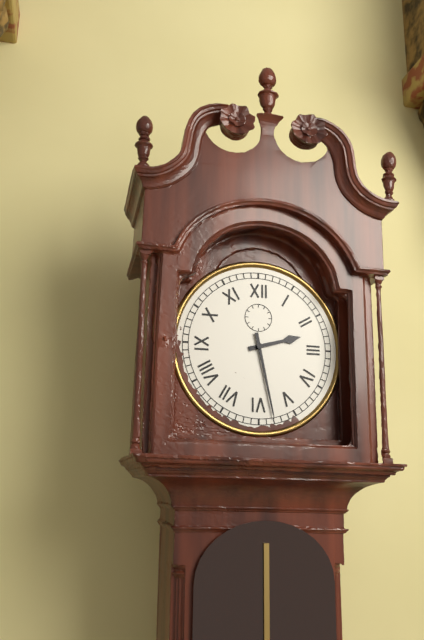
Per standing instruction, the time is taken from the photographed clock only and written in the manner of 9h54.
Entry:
2h28
